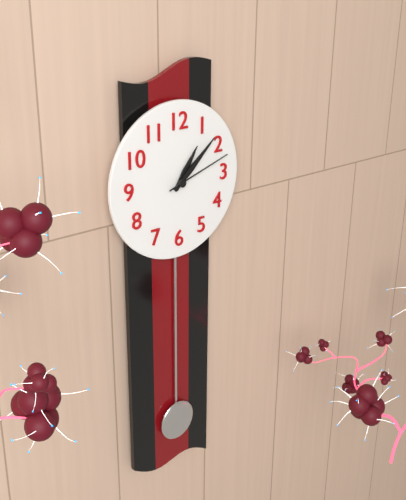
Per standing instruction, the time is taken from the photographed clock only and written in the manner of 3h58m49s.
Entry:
1h08m12s
